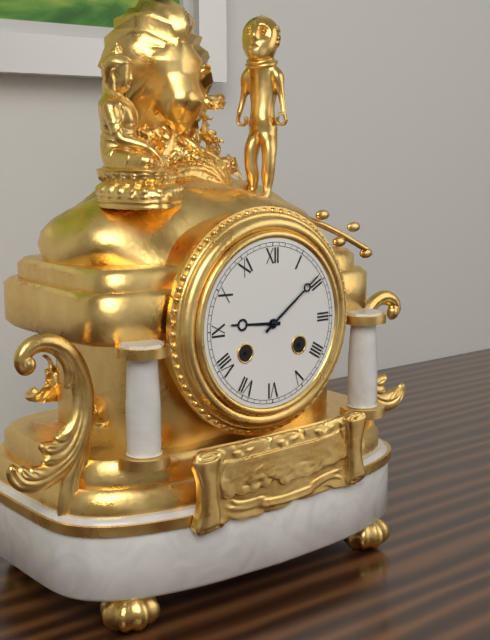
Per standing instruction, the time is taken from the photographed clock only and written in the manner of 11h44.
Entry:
9h09
